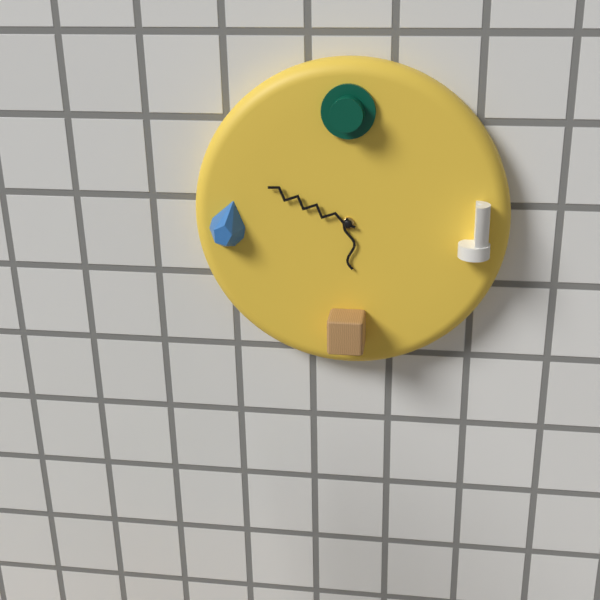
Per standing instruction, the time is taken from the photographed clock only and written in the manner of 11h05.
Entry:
5h49
